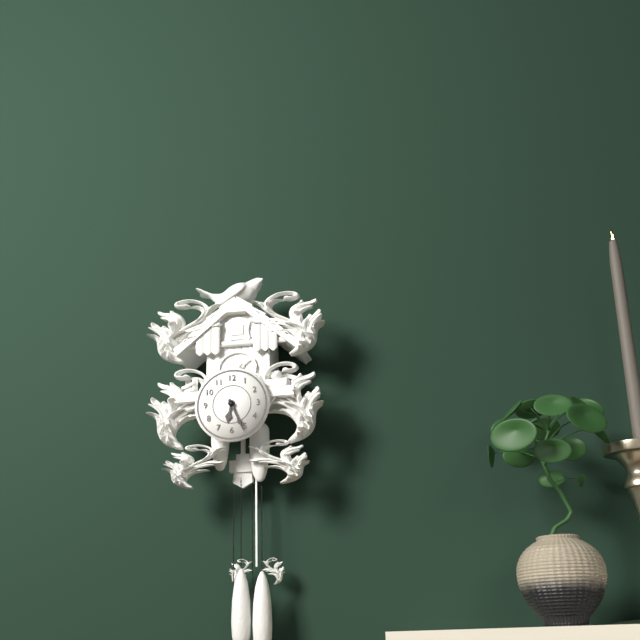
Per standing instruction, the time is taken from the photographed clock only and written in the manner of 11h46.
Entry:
6h26
